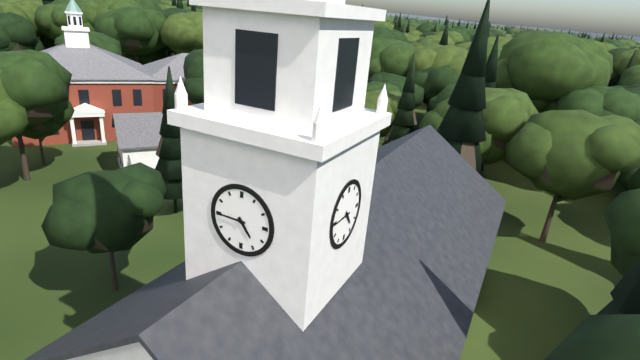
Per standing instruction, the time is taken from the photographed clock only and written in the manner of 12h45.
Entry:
4h45
